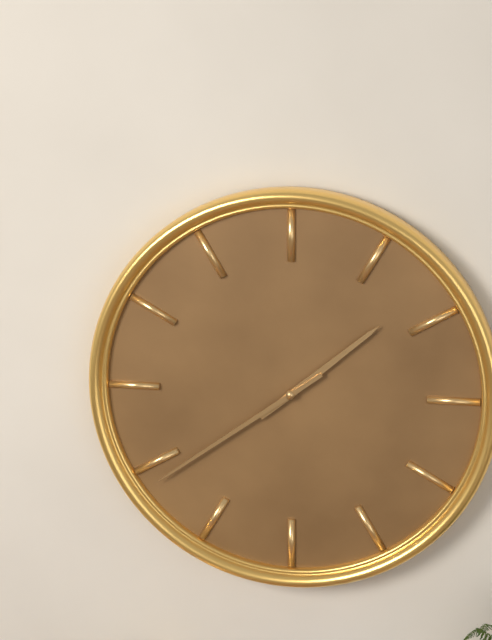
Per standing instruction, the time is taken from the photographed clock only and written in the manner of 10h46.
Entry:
1h39
